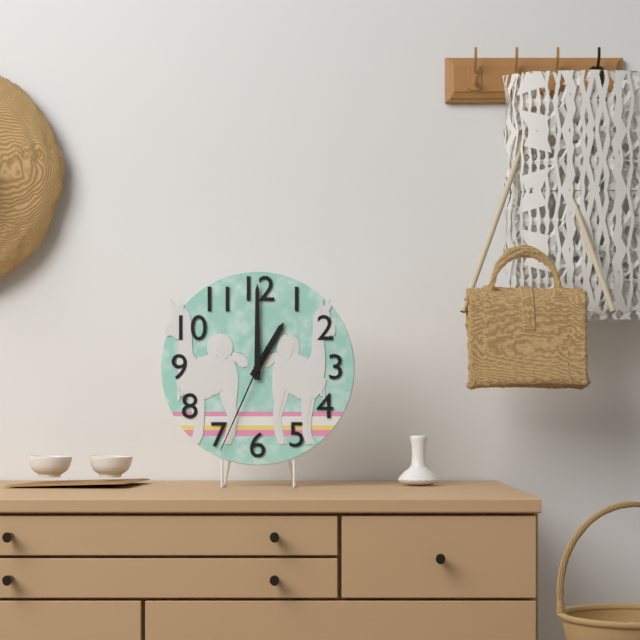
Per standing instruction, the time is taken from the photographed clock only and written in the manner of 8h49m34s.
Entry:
1h00m34s
